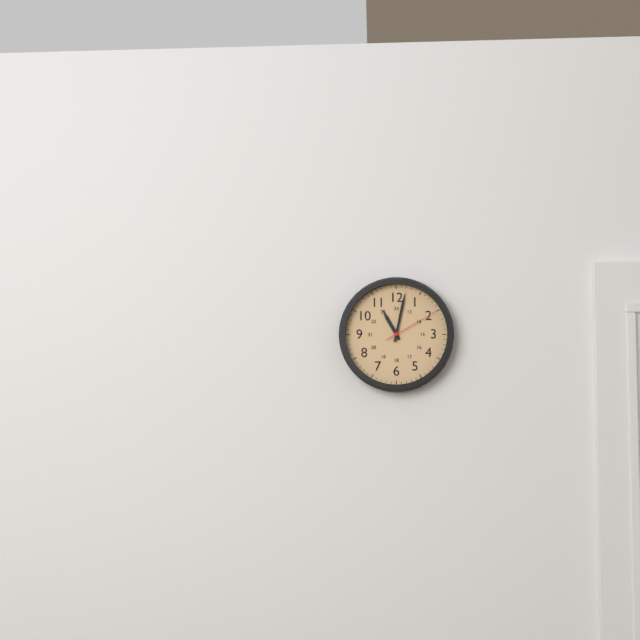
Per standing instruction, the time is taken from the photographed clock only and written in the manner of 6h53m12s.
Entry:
11h02m10s
